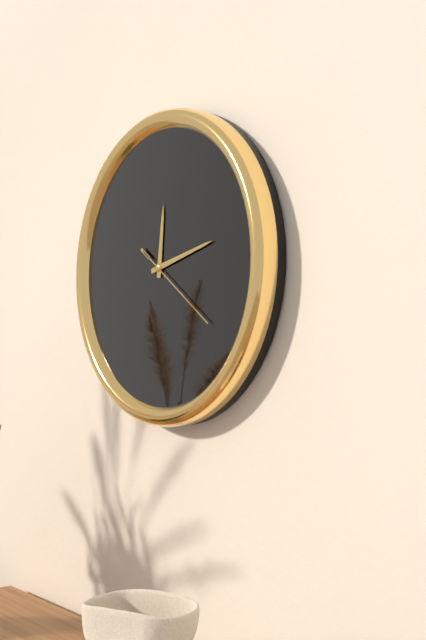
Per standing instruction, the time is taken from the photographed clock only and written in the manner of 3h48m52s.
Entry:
12h13m21s
